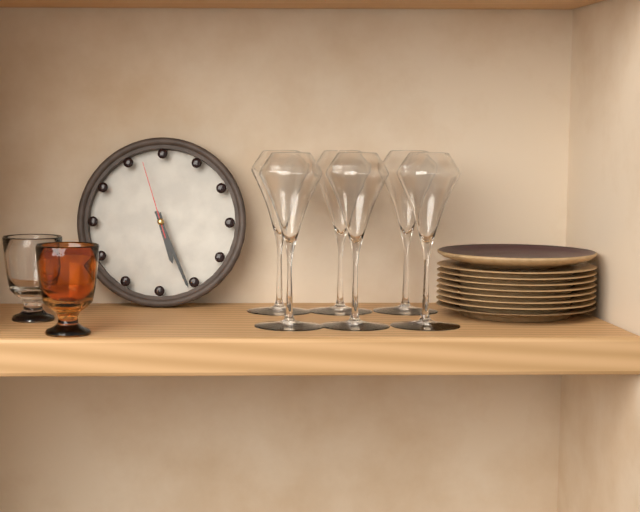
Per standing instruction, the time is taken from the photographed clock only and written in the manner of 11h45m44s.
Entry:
5h26m57s
